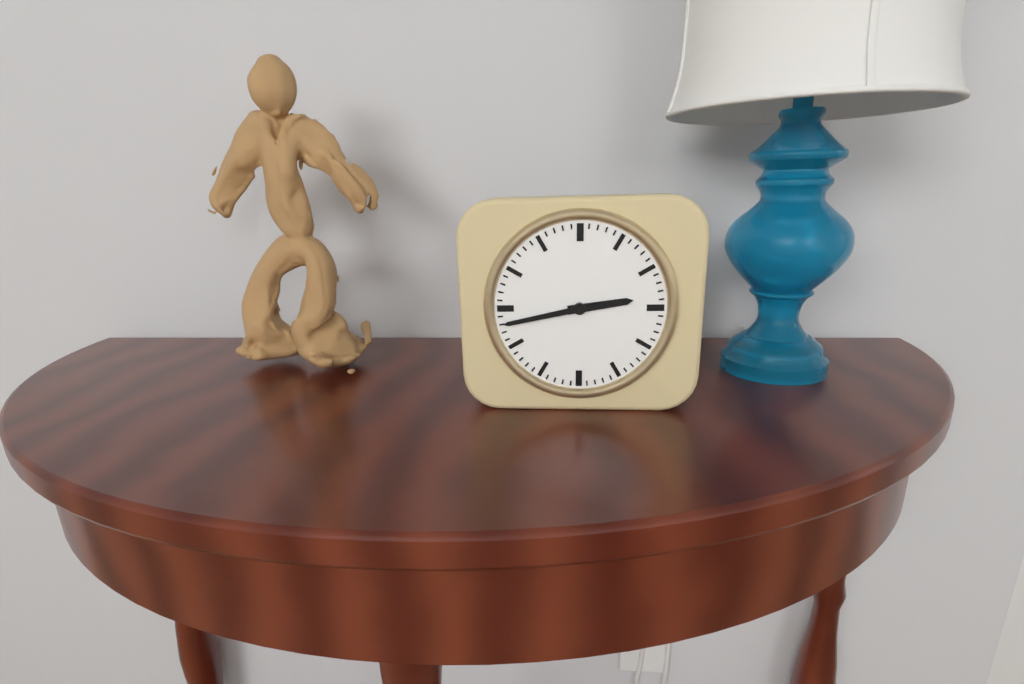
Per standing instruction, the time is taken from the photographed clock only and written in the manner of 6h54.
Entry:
2h43
